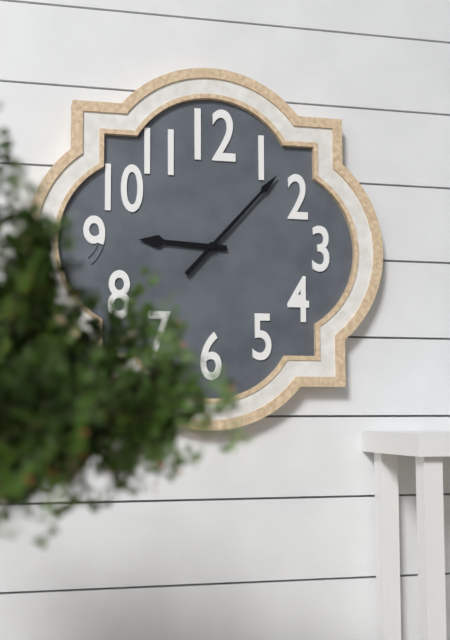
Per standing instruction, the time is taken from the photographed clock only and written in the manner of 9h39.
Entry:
9h07
